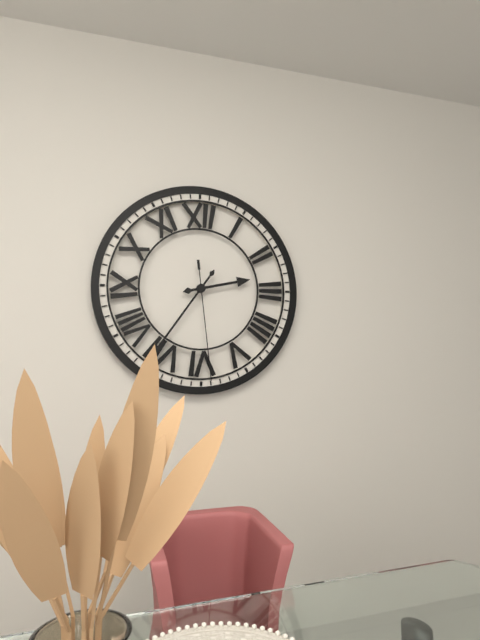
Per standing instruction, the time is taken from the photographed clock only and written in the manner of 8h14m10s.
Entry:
2h36m29s
